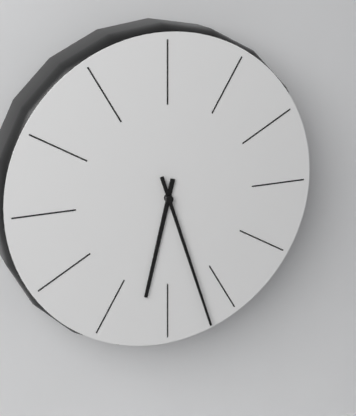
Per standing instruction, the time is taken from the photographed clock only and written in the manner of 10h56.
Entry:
6h27
